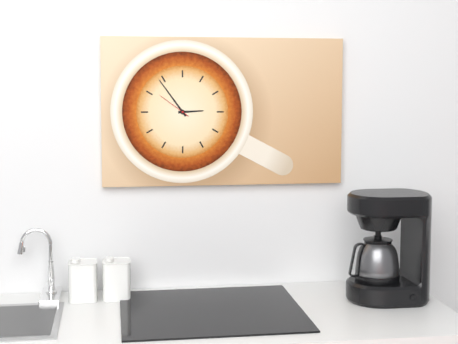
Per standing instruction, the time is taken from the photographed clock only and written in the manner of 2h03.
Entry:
2h54
